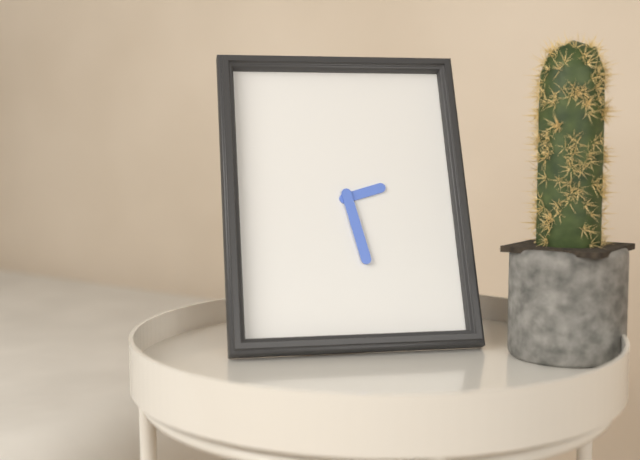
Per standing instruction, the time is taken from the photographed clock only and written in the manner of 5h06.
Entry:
2h28
